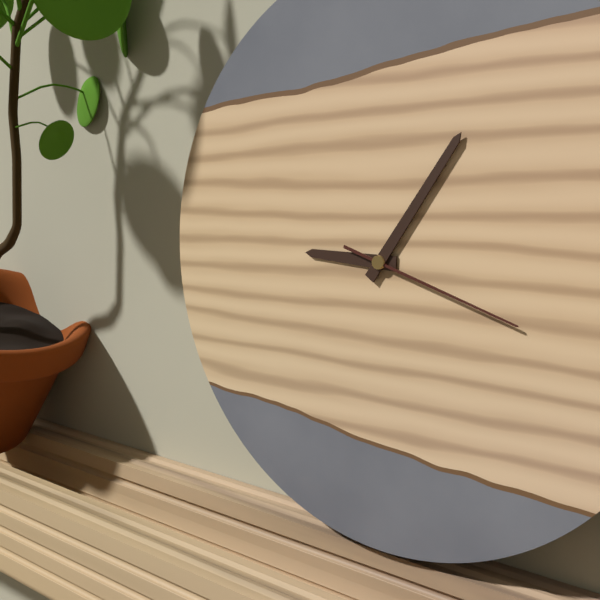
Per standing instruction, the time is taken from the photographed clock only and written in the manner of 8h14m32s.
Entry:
9h06m18s
